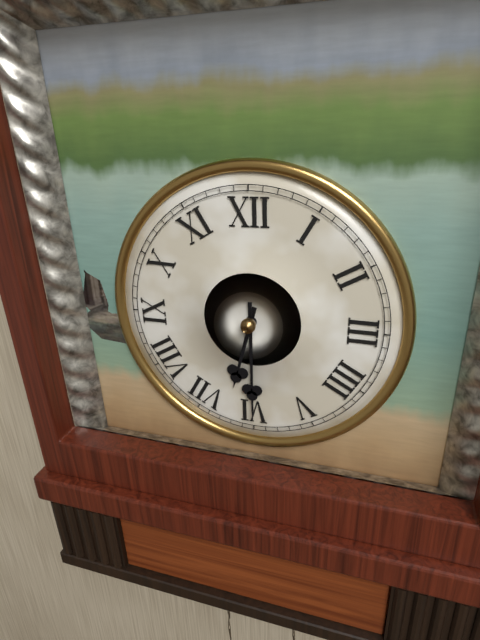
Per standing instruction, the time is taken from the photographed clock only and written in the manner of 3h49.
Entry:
6h30
